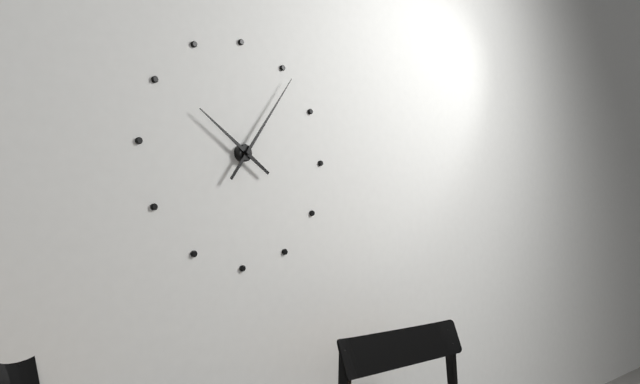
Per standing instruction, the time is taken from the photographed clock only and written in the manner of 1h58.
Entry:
10h06
